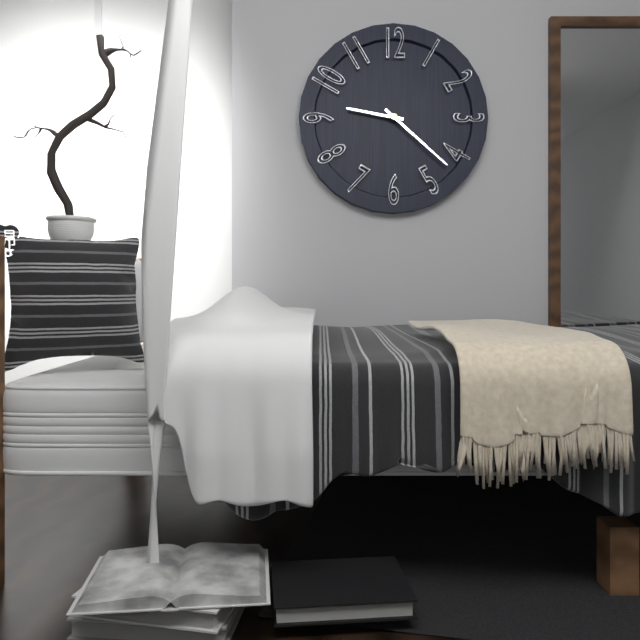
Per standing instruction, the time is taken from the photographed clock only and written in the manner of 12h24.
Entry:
9h22
